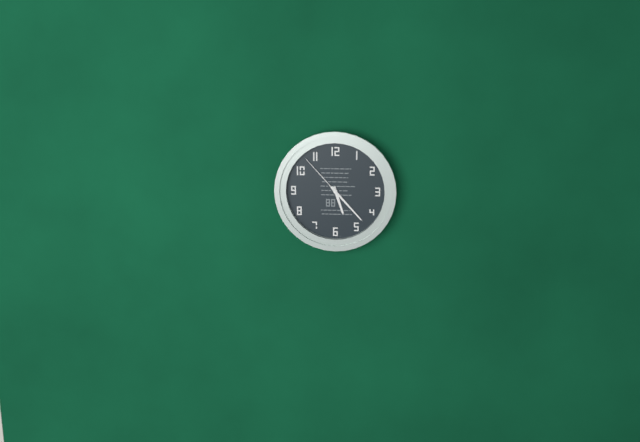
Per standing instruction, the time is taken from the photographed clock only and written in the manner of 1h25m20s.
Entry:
5h23m53s
